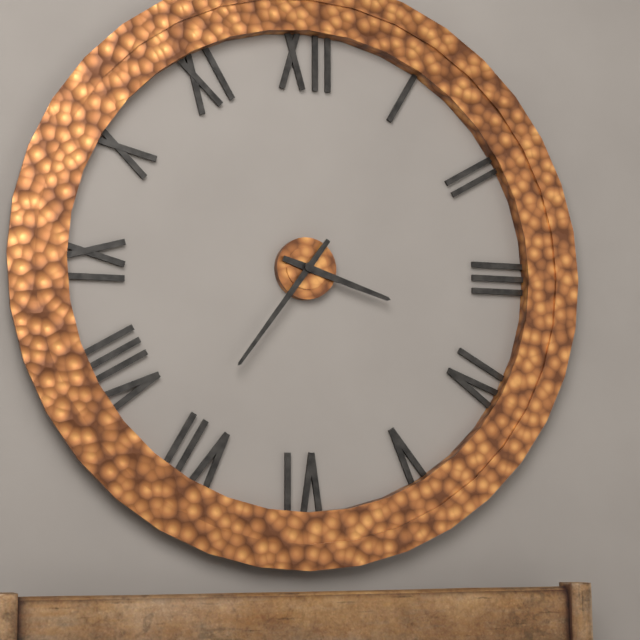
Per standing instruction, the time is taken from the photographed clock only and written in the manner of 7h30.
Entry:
3h36
